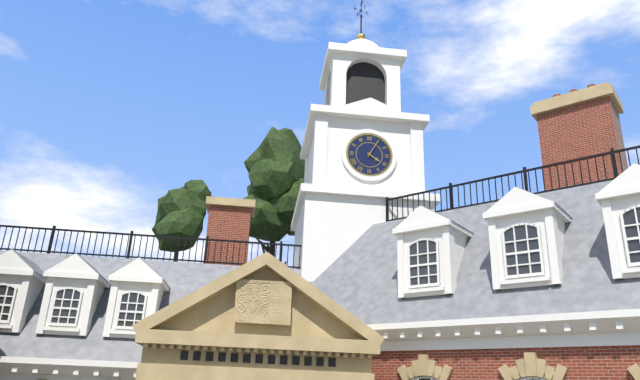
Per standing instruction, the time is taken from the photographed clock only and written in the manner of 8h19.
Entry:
4h05
